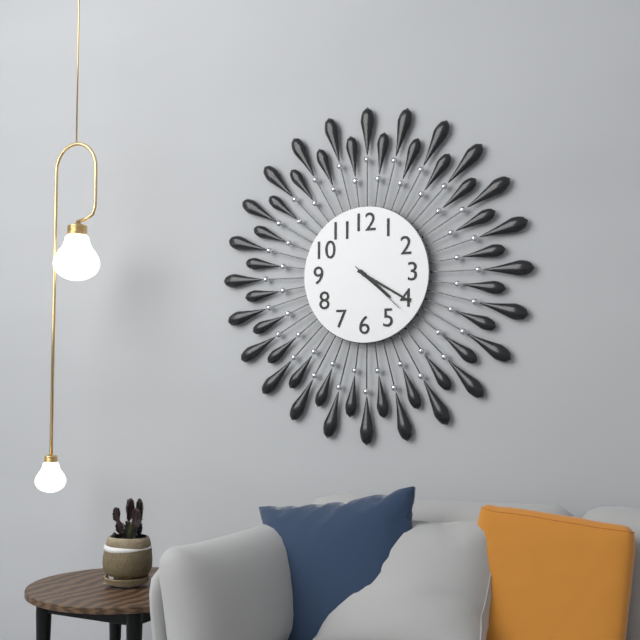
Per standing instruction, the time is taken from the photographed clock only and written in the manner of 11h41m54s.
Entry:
4h20m22s
